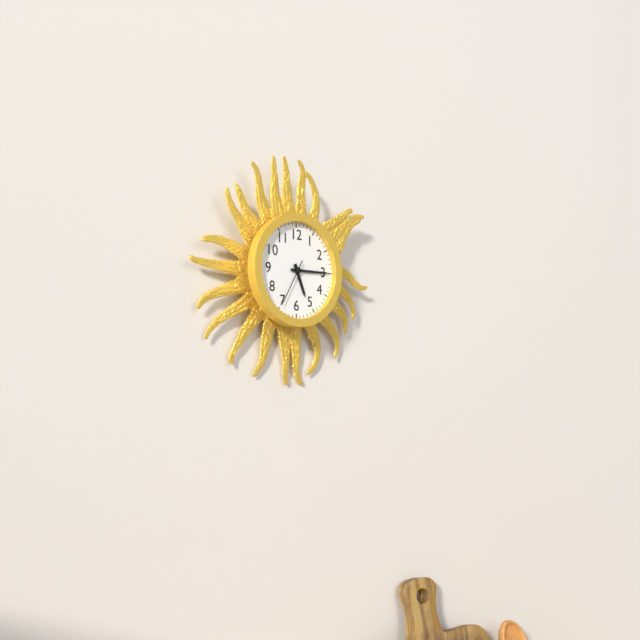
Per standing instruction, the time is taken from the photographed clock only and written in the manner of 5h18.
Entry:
5h15
